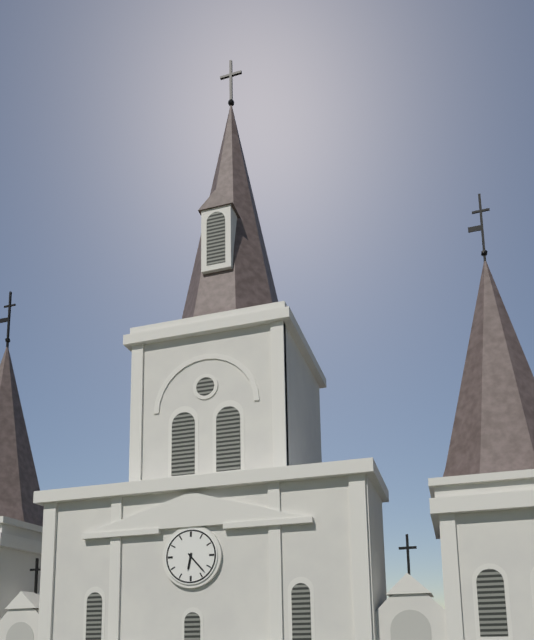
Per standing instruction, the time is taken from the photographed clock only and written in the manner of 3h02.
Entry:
6h23
